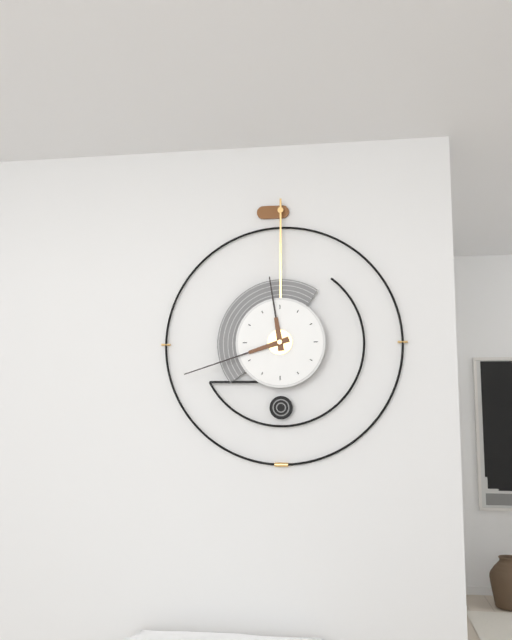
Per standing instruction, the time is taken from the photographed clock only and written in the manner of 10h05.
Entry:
11h42
